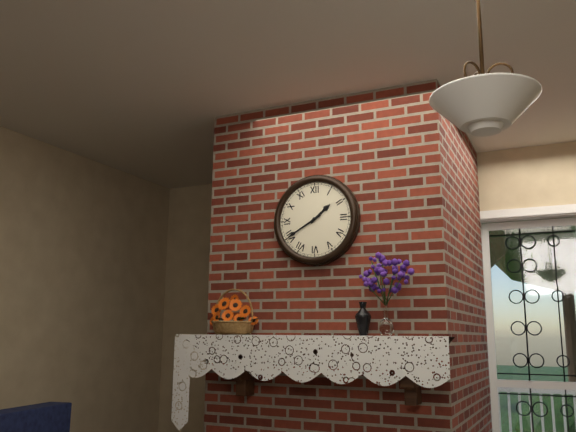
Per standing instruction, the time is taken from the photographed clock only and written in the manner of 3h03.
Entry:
1h40
